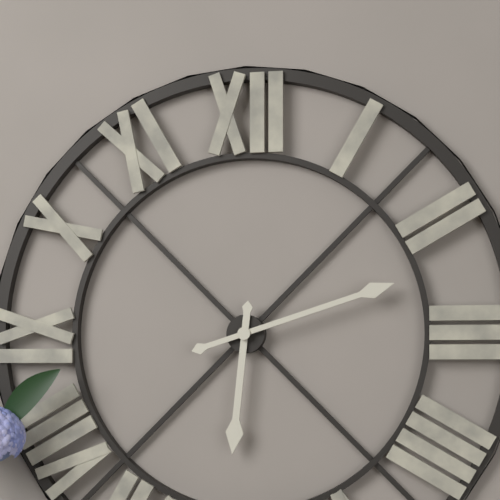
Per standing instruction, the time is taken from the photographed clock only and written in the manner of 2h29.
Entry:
6h12
